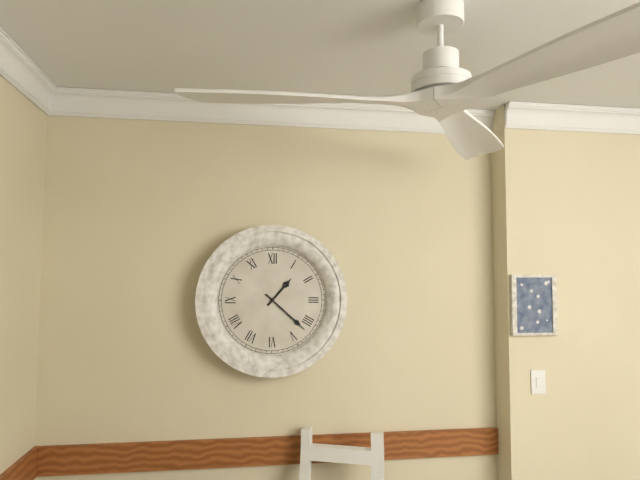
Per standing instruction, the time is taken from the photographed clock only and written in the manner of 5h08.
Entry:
1h22
